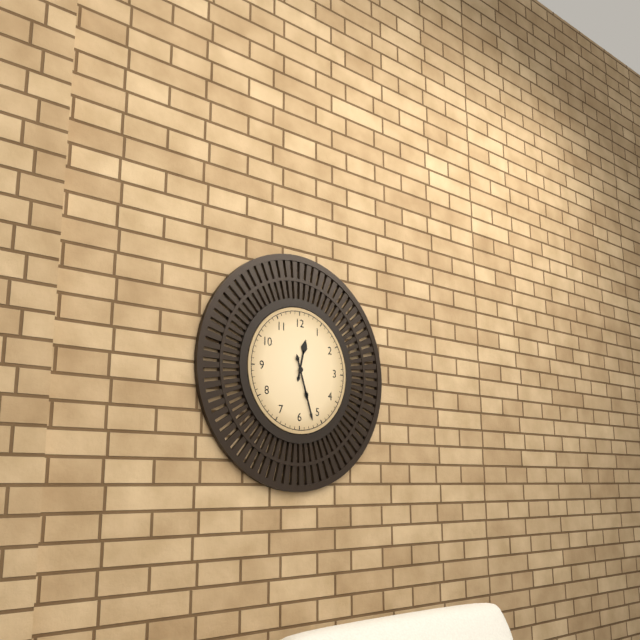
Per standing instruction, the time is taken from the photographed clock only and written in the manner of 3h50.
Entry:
12h27
